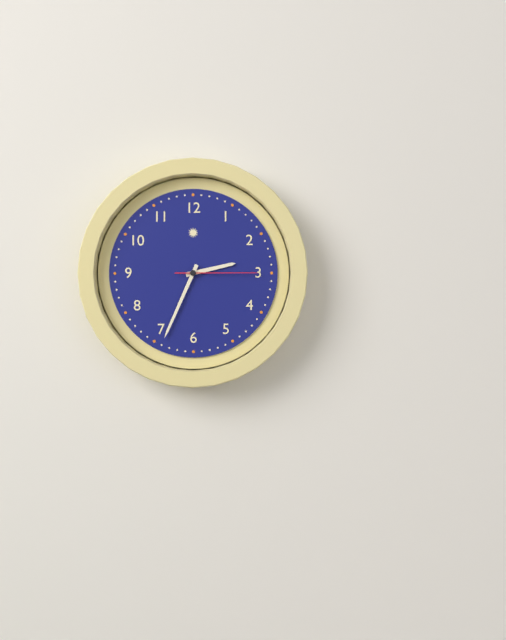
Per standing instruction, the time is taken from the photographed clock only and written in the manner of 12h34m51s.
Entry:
2h34m15s
